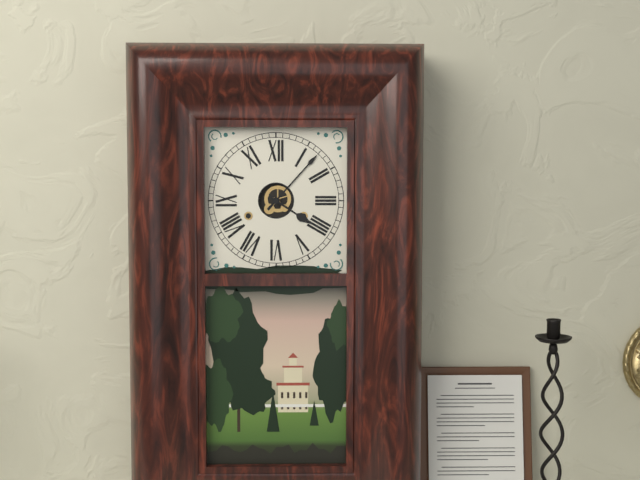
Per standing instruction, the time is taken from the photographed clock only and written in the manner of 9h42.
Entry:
4h07
